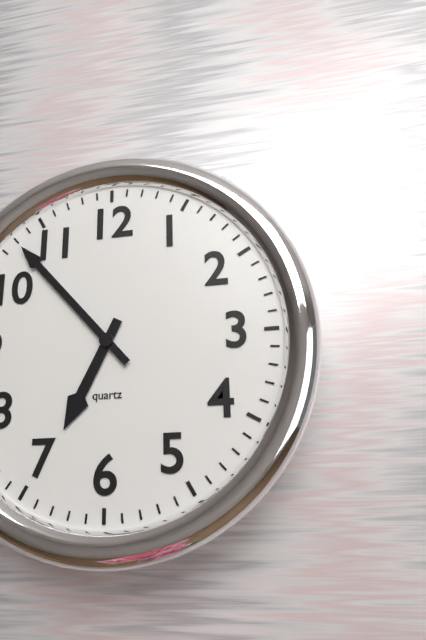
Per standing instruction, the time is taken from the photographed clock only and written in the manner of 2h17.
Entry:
6h53
